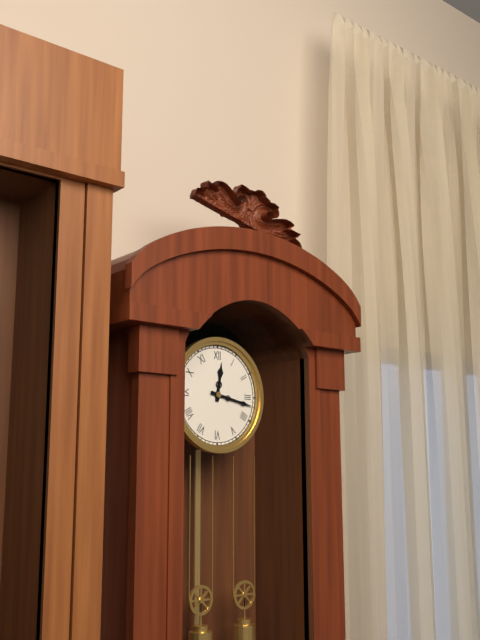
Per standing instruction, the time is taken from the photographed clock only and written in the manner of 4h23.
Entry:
12h17
